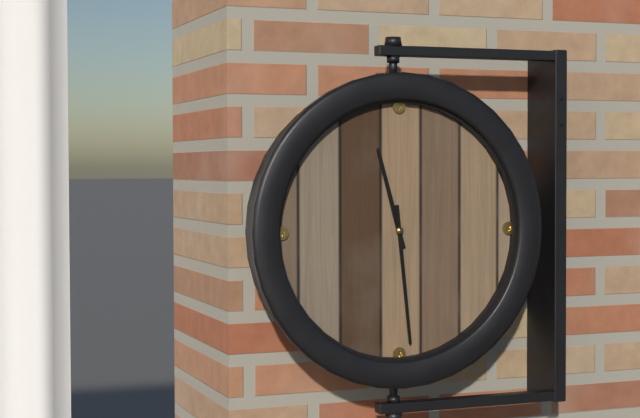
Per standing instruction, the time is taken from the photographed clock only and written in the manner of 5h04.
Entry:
11h29
